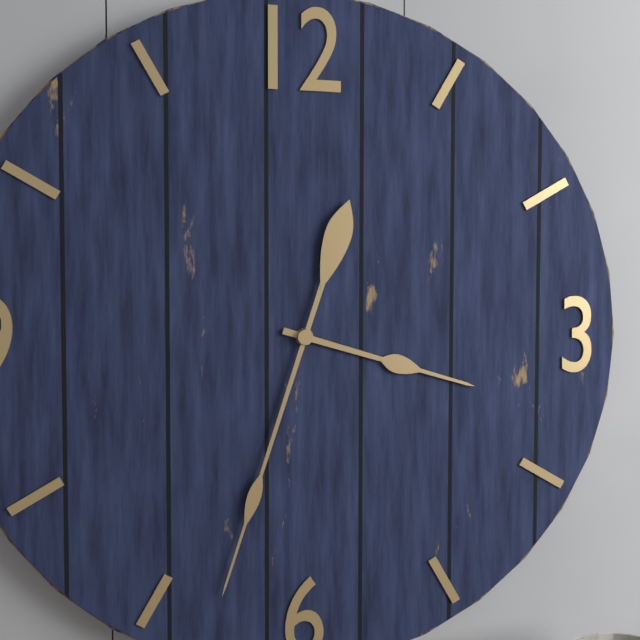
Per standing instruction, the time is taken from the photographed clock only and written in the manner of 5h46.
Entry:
3h33
